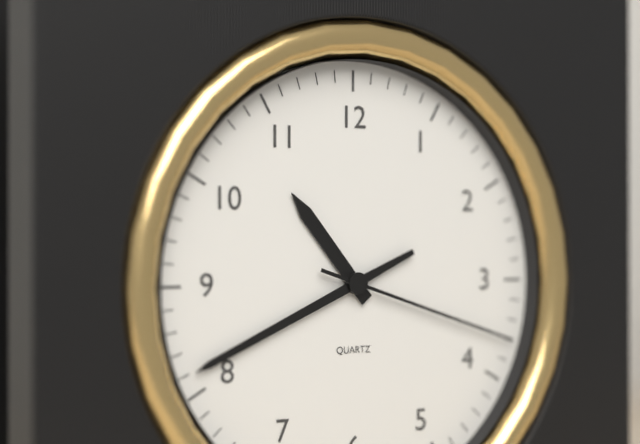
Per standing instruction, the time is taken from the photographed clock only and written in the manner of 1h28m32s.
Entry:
10h41m18s
